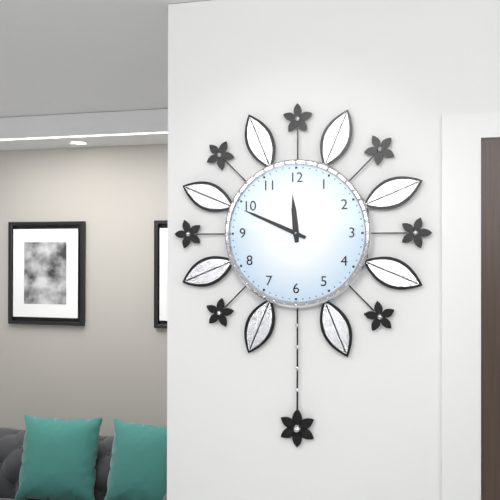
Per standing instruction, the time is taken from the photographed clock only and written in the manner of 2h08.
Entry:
11h49
